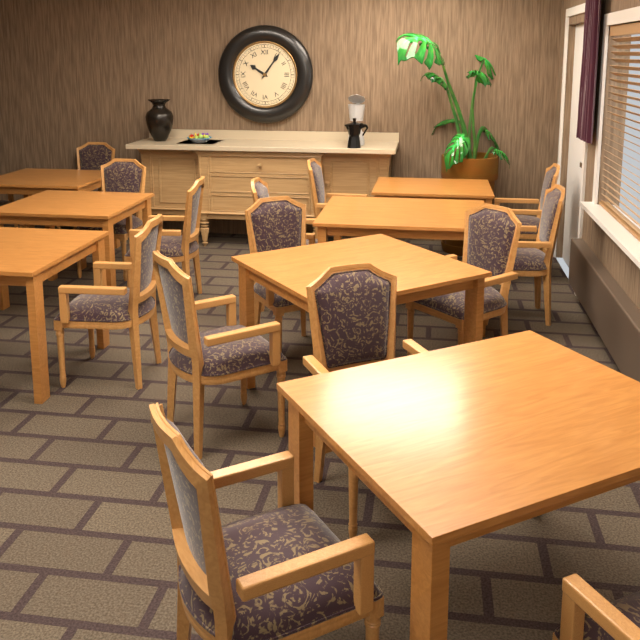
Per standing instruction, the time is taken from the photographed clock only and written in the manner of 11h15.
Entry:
10h06
